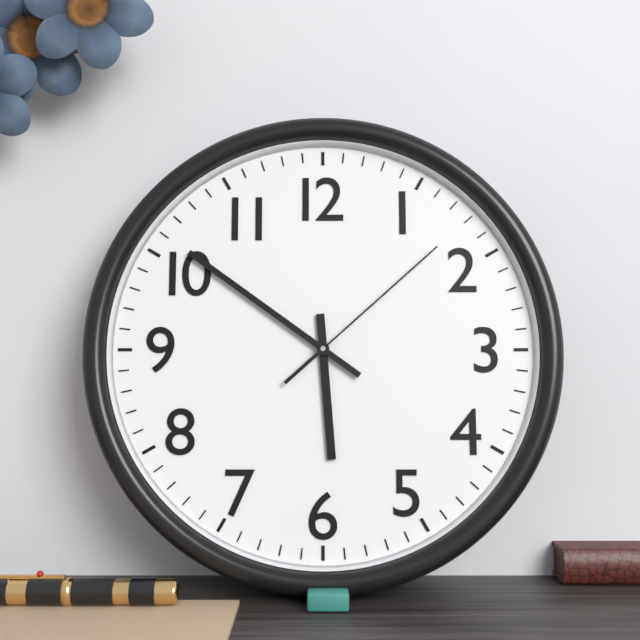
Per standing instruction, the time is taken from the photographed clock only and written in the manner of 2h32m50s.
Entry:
5h51m08s
